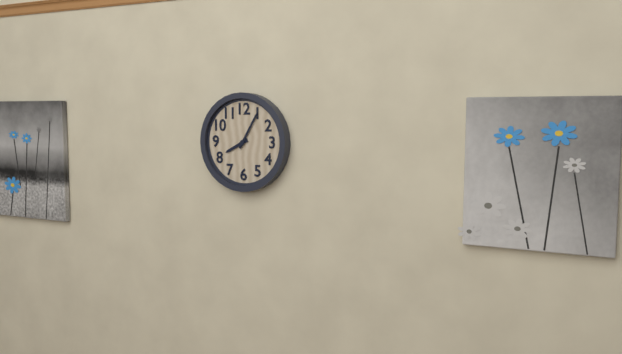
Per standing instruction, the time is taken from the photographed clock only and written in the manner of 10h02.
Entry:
8h05
